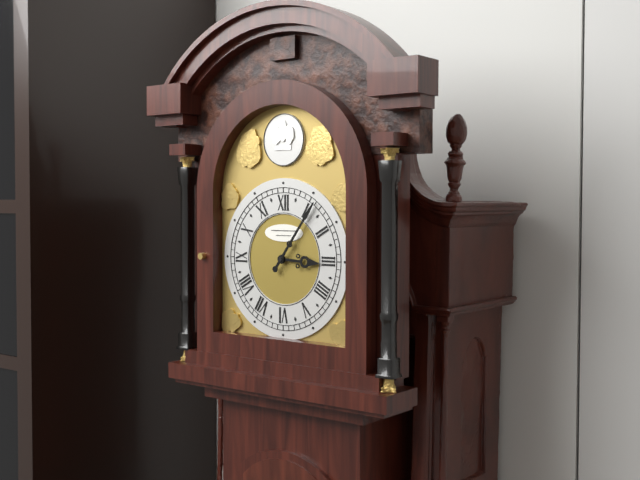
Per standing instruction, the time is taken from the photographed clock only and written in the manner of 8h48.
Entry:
3h06
